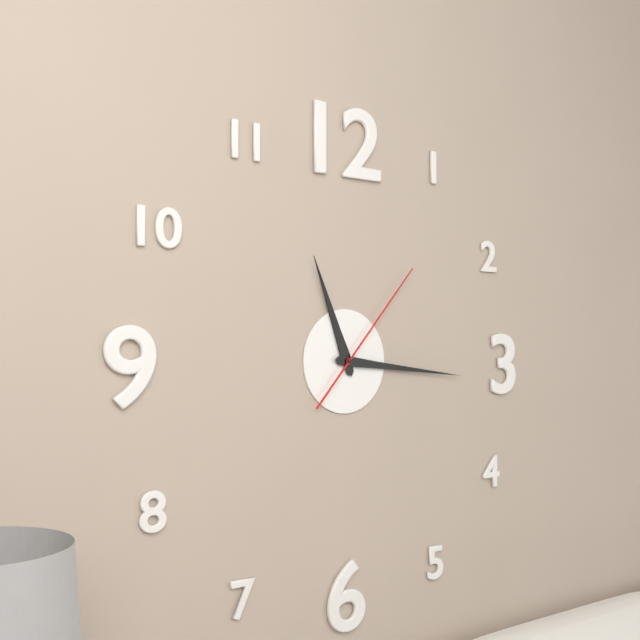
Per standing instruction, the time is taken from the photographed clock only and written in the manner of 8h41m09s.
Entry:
11h16m07s
